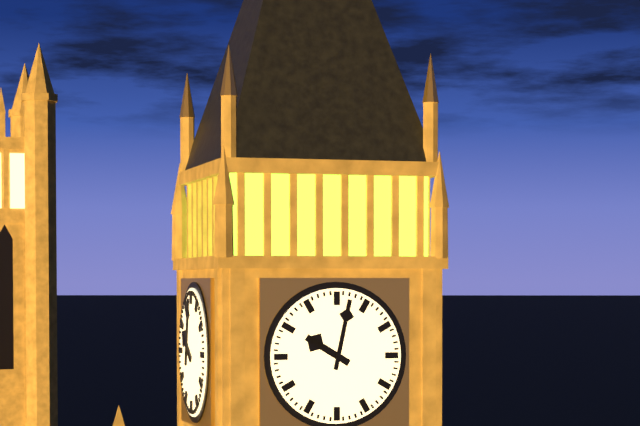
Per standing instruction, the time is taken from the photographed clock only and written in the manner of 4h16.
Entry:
10h02
